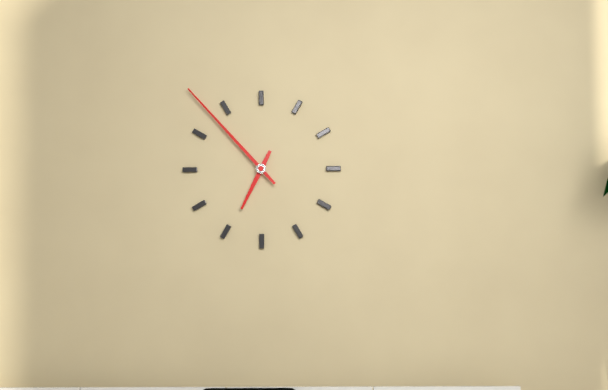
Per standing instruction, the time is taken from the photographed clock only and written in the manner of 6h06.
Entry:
6h53
